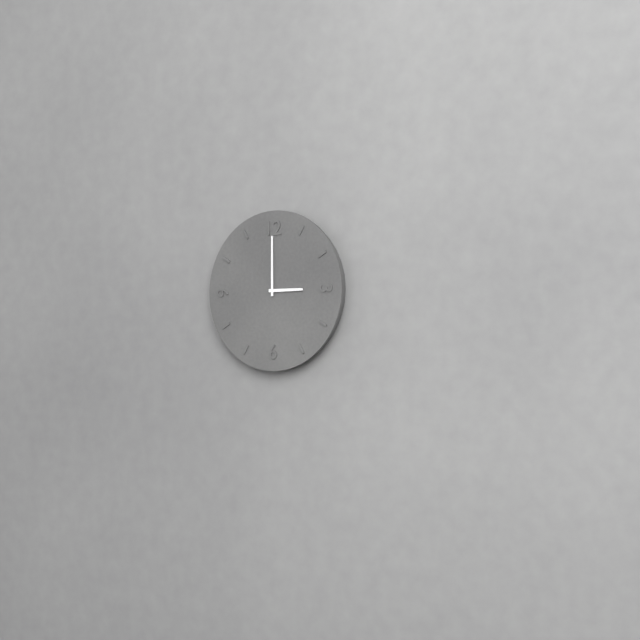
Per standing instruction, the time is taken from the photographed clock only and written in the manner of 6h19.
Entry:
3h00
